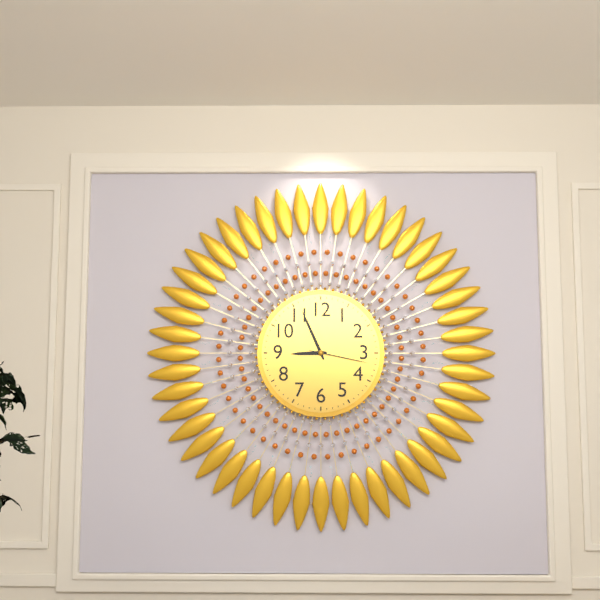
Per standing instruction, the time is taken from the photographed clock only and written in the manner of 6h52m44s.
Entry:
8h56m17s
